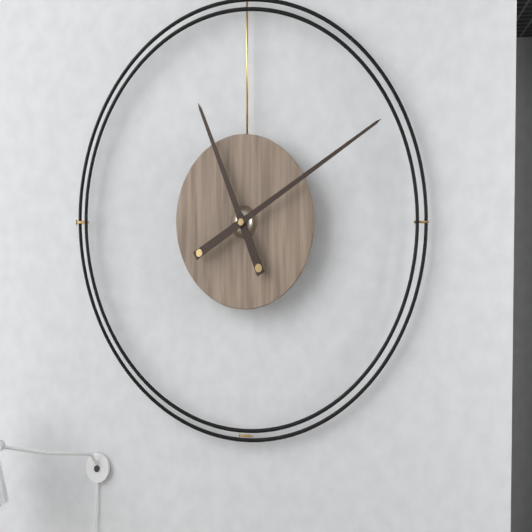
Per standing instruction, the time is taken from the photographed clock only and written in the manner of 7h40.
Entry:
11h10
